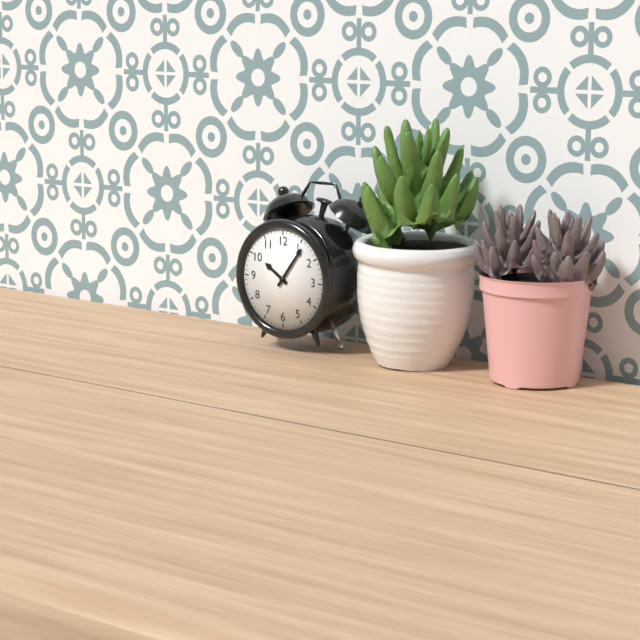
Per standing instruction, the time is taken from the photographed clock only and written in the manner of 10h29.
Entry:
10h06
